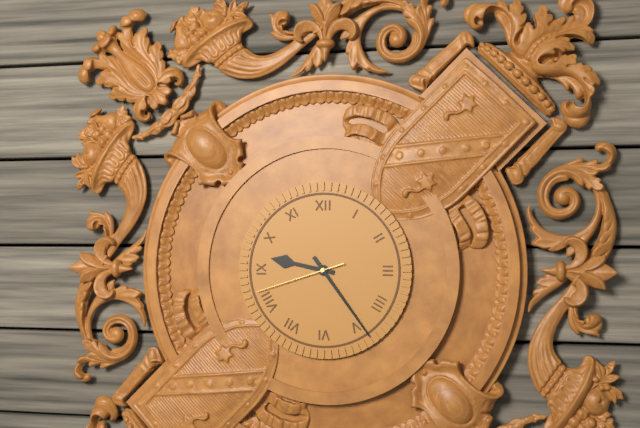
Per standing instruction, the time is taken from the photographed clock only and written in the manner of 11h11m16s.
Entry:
9h24m42s
